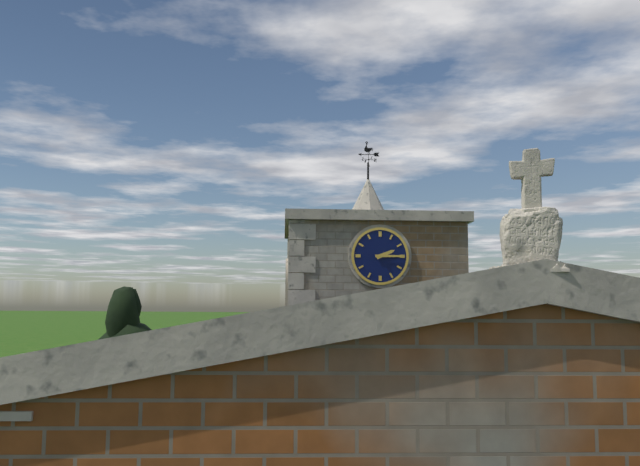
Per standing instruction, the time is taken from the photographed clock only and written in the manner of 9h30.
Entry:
2h15
